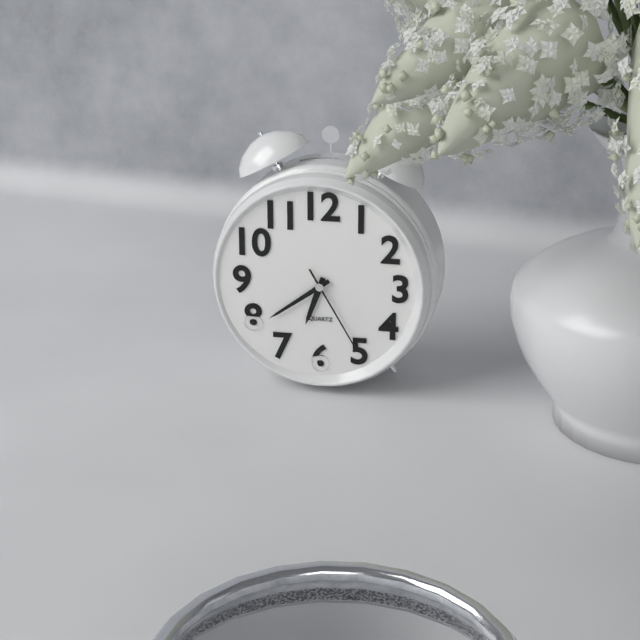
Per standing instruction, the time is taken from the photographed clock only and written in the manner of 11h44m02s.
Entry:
6h39m25s
